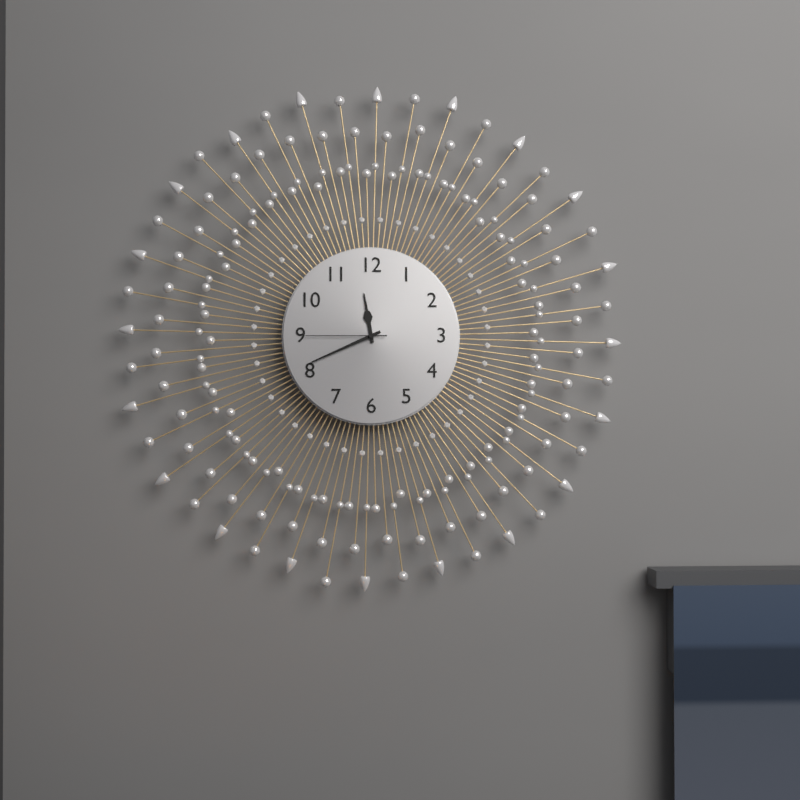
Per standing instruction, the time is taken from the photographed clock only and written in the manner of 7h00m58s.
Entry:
11h41m45s
